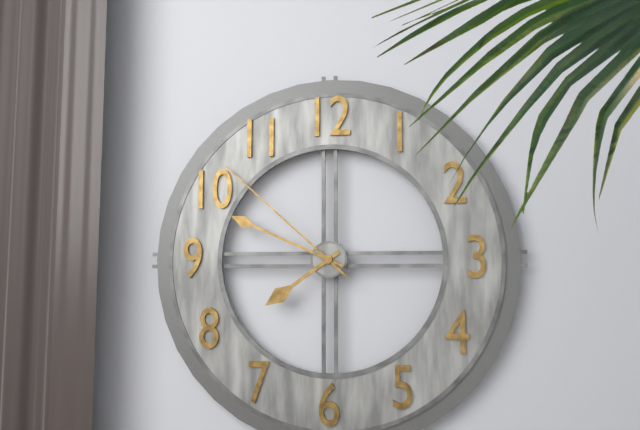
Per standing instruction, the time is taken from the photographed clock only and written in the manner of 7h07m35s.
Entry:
7h49m52s
